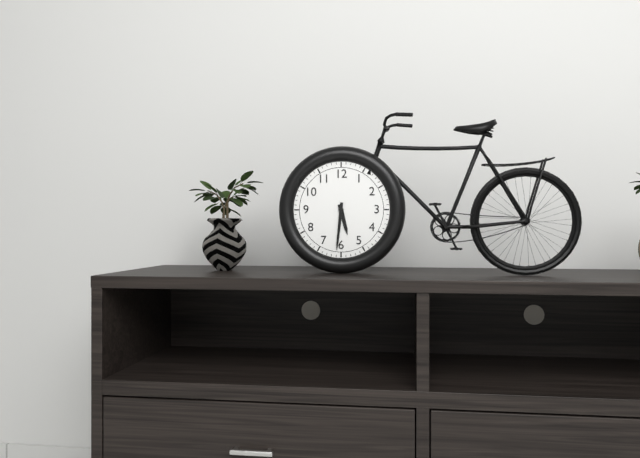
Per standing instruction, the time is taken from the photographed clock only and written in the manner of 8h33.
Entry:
5h31
